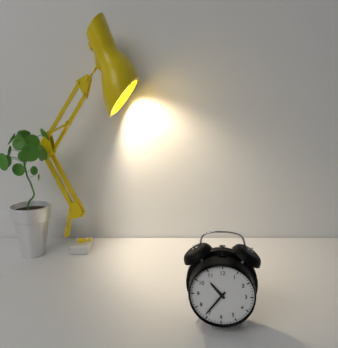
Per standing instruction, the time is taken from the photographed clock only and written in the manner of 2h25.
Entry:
10h36
